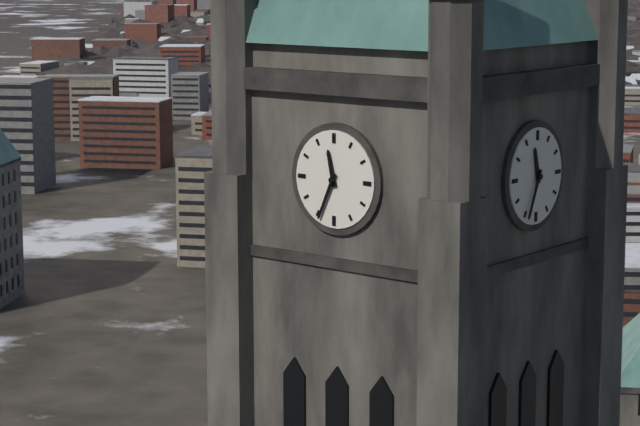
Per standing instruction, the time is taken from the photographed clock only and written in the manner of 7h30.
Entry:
11h34
